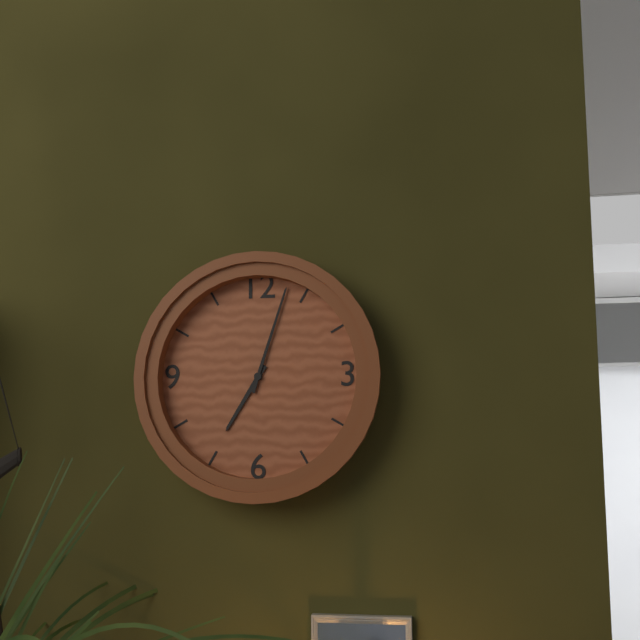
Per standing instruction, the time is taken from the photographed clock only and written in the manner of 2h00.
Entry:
7h03
